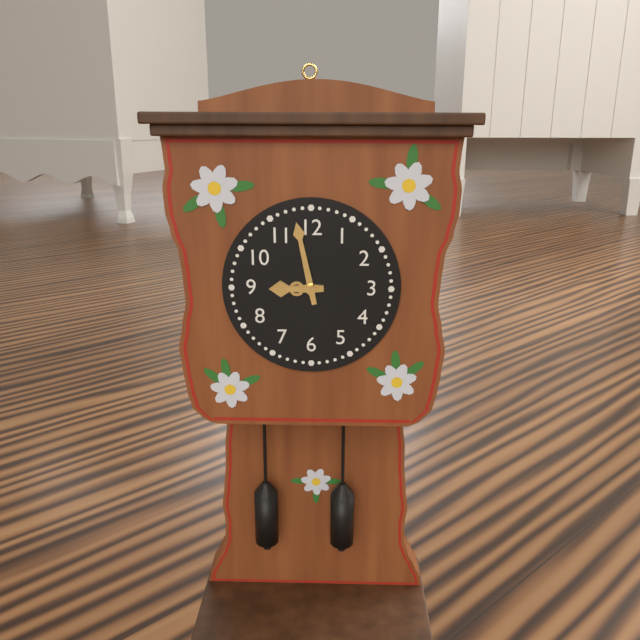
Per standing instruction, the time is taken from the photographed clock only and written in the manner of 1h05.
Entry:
8h58
